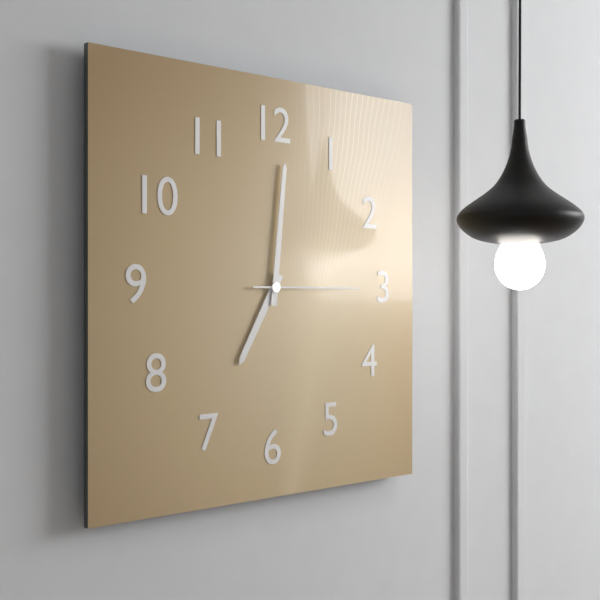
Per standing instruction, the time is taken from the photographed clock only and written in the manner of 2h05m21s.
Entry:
7h01m15s
